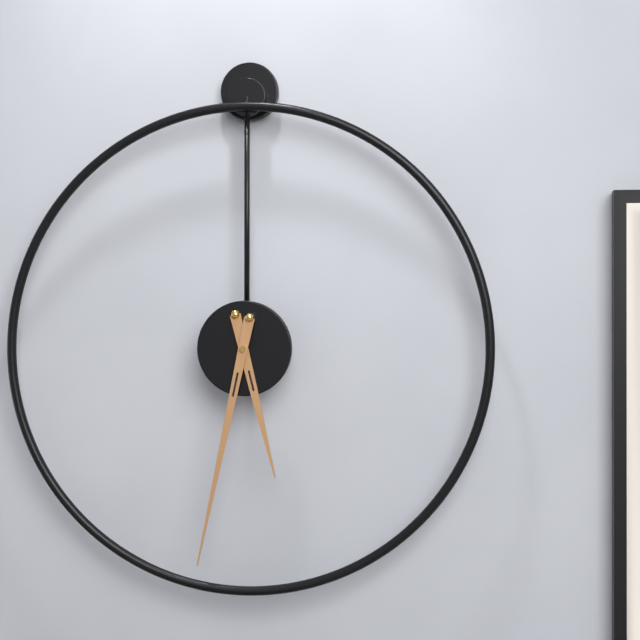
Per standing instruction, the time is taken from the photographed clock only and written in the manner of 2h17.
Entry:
5h32
